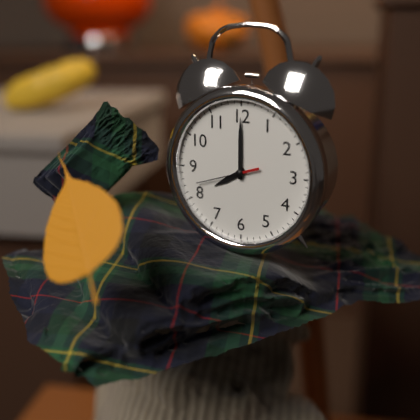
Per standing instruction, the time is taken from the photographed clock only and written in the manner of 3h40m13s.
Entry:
8h00m42s
